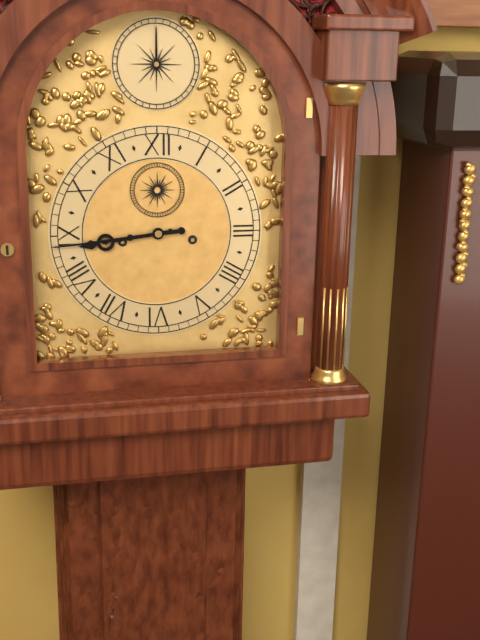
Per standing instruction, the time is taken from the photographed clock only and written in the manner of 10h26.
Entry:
8h44
